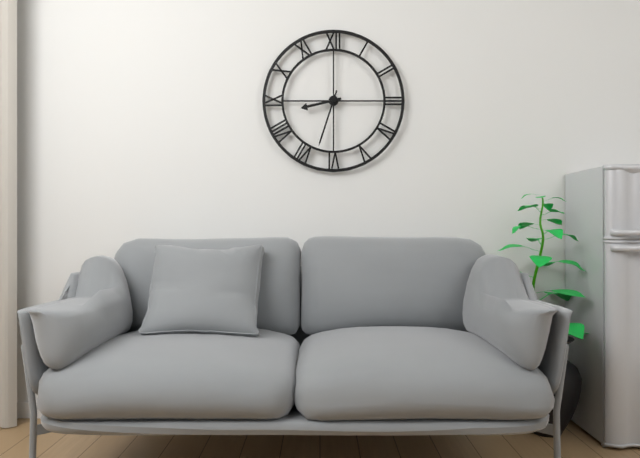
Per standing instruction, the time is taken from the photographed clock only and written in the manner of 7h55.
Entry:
8h33
